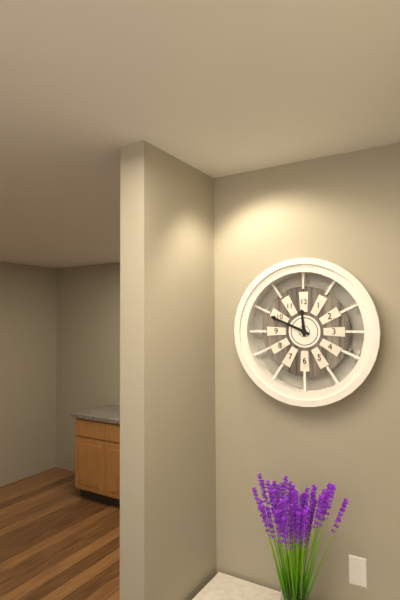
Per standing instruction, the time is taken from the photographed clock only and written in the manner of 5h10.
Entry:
11h49
